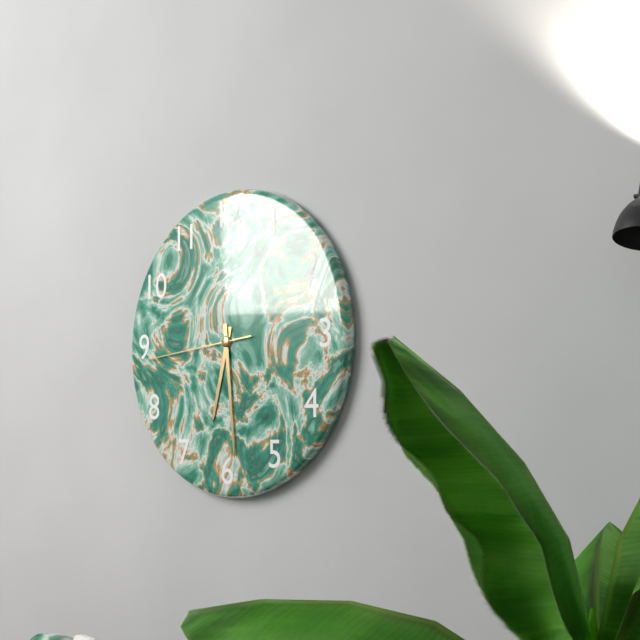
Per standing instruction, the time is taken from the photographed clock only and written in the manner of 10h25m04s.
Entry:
6h29m44s
